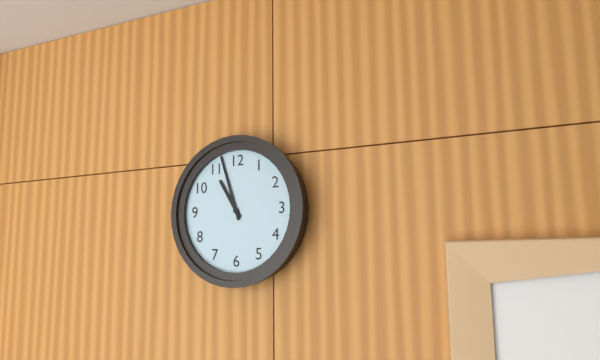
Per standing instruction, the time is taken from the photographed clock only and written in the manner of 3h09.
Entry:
10h57
